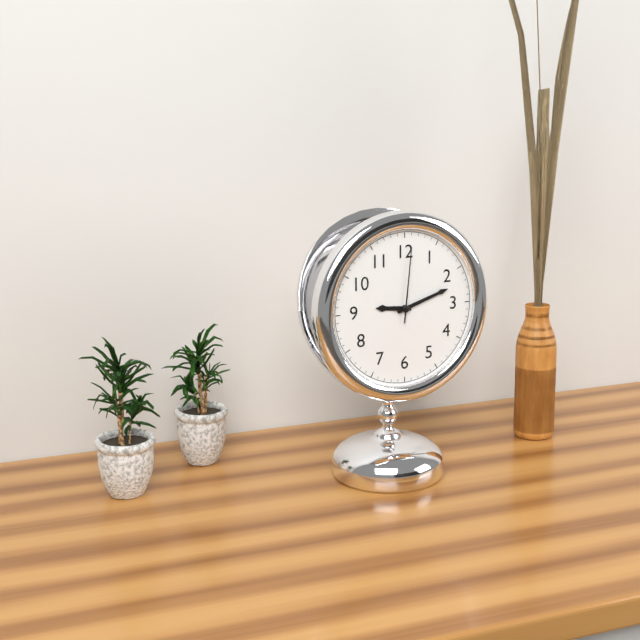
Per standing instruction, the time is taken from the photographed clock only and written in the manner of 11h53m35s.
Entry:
9h12m01s
